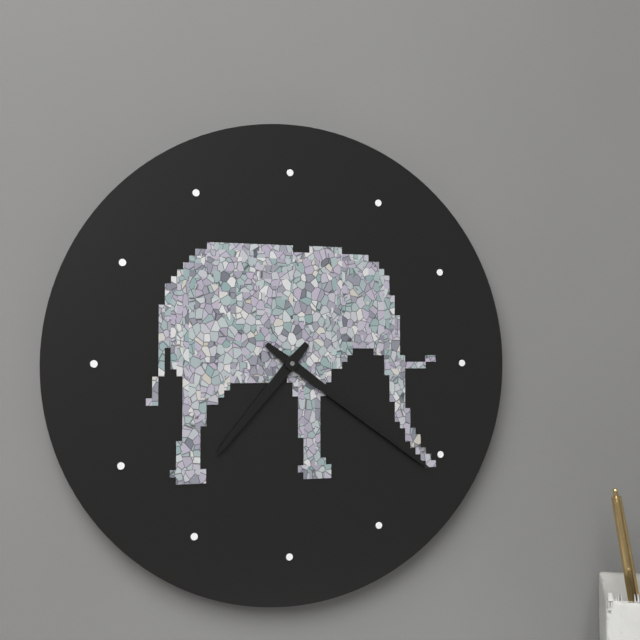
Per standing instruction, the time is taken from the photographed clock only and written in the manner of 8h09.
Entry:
7h21
